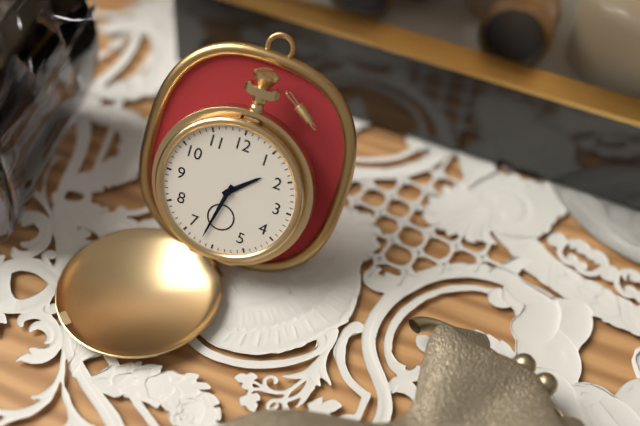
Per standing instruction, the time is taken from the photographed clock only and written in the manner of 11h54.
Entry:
1h32
